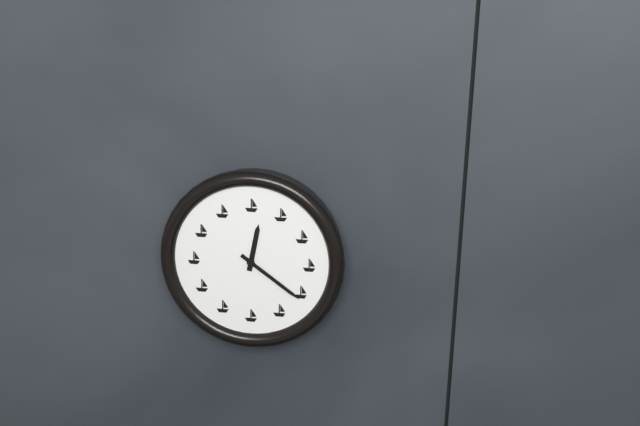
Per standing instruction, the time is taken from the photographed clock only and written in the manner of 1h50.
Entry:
12h21
